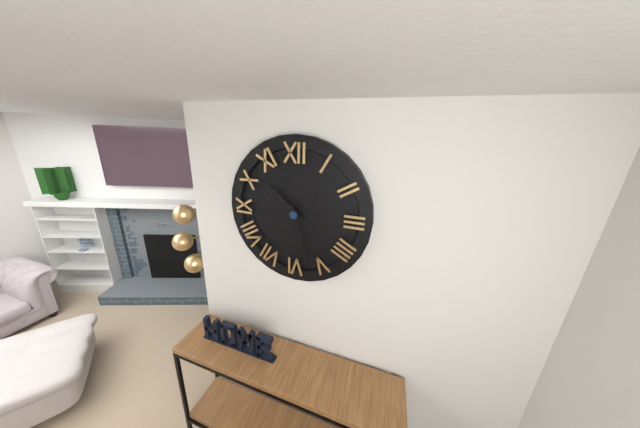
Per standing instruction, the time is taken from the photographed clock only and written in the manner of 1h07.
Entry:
10h27
